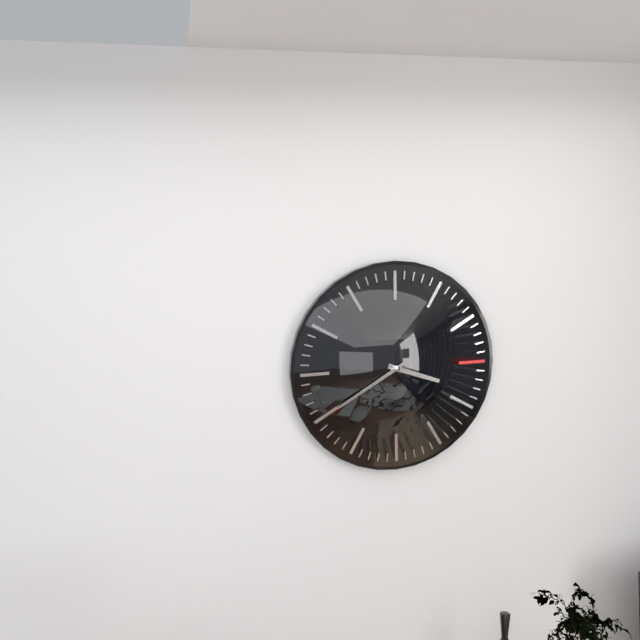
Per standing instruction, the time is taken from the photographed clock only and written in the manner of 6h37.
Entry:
3h40
